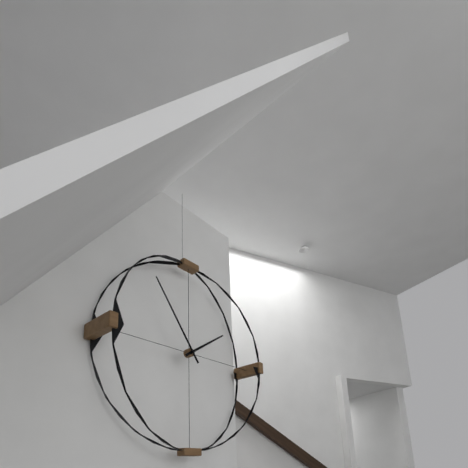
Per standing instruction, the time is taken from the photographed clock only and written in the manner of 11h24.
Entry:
1h54
